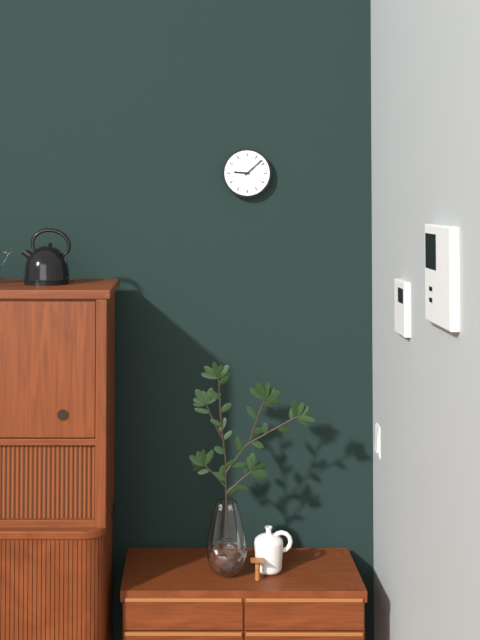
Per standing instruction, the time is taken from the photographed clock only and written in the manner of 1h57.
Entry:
9h08
